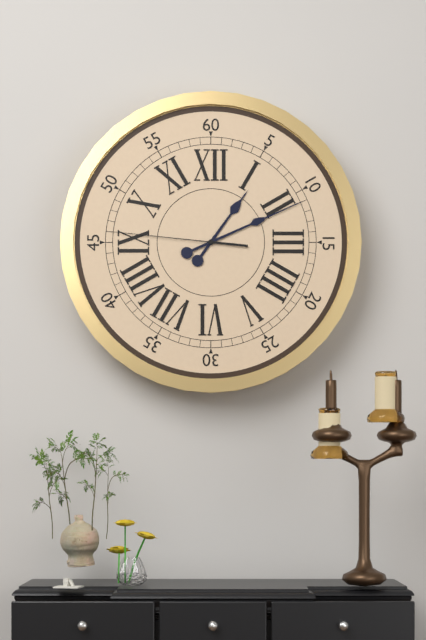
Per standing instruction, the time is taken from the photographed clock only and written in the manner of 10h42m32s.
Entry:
1h11m46s
